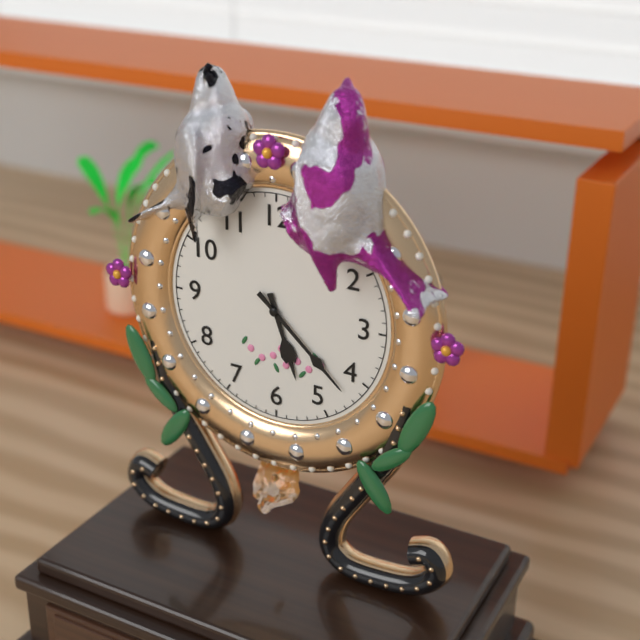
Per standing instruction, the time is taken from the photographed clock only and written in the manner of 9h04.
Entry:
5h22
